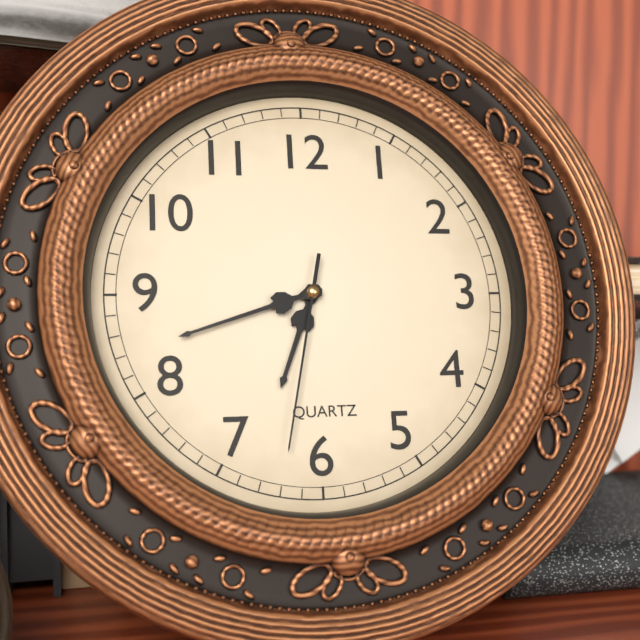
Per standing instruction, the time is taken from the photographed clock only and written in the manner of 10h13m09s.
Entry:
6h42m32s
